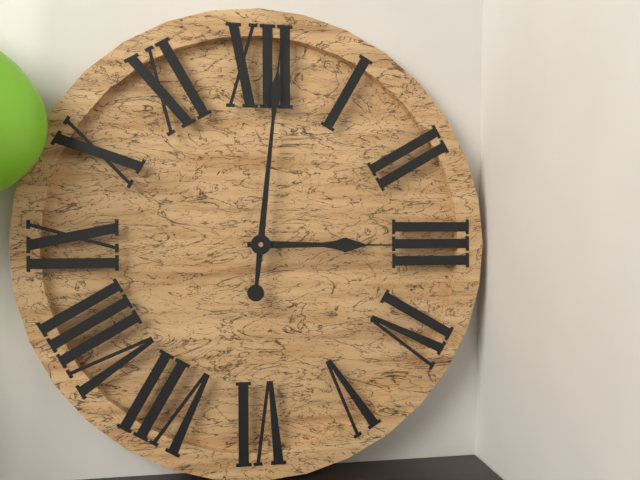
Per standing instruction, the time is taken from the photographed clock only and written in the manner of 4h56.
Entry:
3h01
